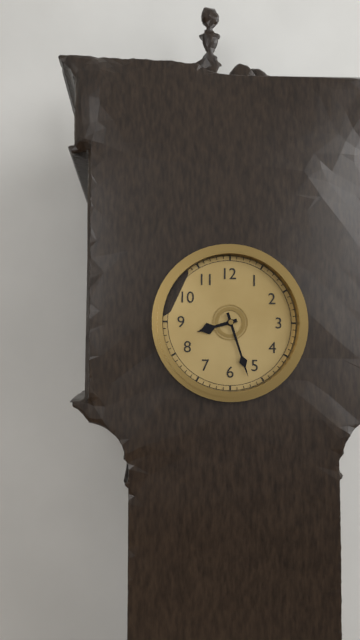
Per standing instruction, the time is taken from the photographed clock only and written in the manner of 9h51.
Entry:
8h27
